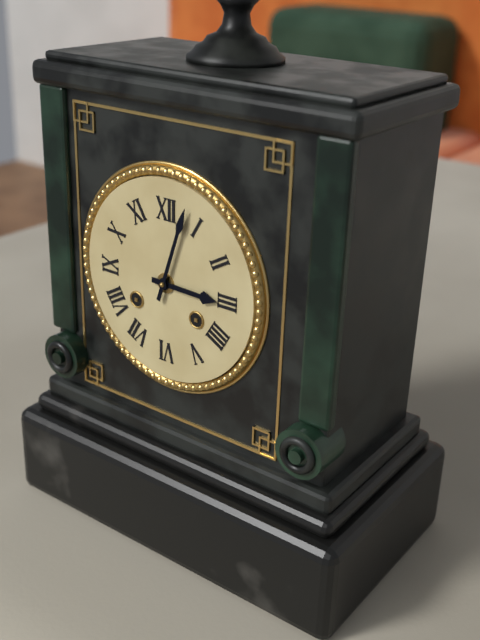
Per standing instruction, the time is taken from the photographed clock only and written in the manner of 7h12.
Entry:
3h03
